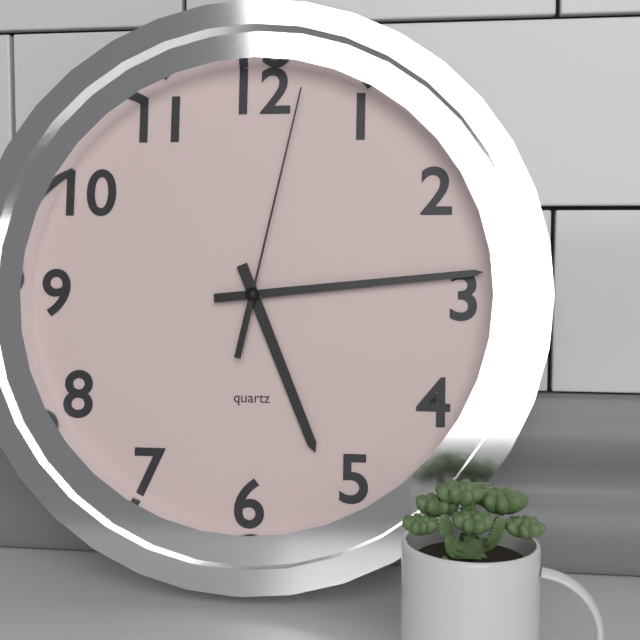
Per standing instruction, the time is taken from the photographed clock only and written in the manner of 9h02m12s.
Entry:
5h14m02s
